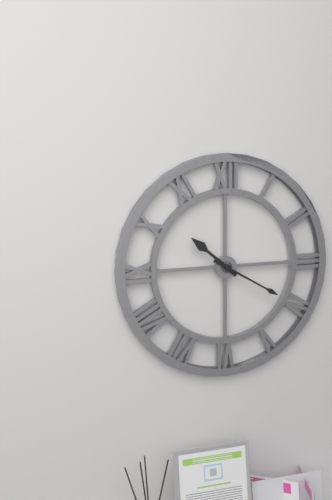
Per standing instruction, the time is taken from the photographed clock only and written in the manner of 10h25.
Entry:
10h20
